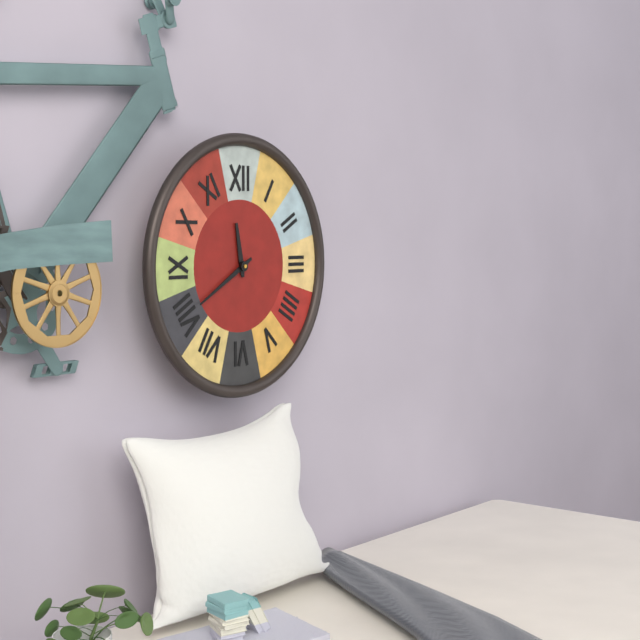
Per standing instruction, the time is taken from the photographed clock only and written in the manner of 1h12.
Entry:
11h40
